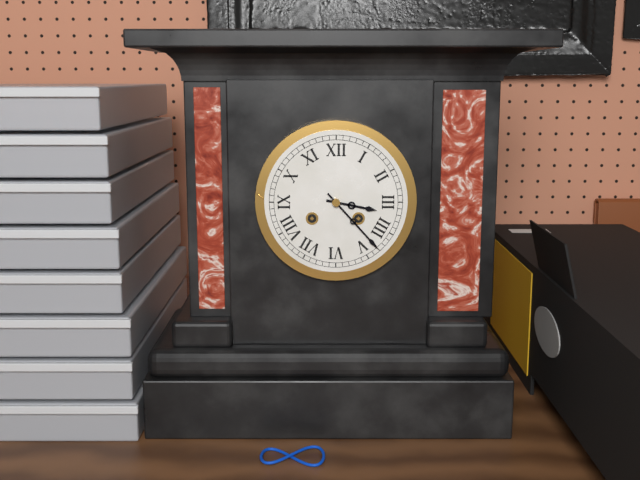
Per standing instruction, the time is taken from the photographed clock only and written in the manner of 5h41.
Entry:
3h23
